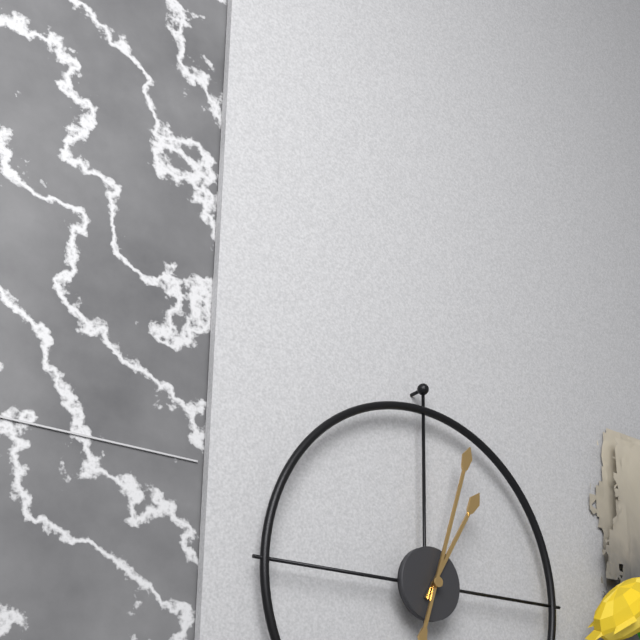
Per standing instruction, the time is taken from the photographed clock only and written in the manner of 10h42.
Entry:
1h03
